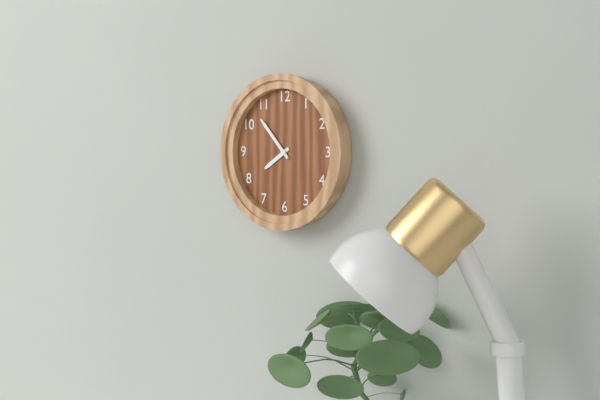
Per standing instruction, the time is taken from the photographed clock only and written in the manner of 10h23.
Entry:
7h53
